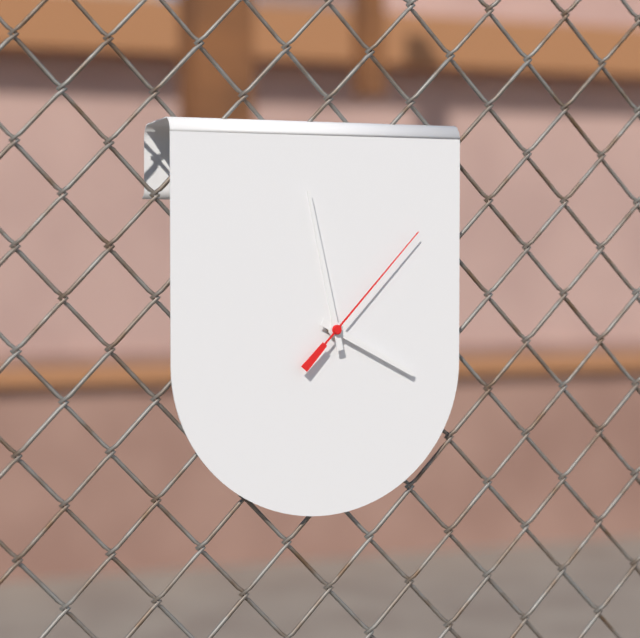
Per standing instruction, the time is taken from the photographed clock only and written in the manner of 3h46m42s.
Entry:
3h58m07s
